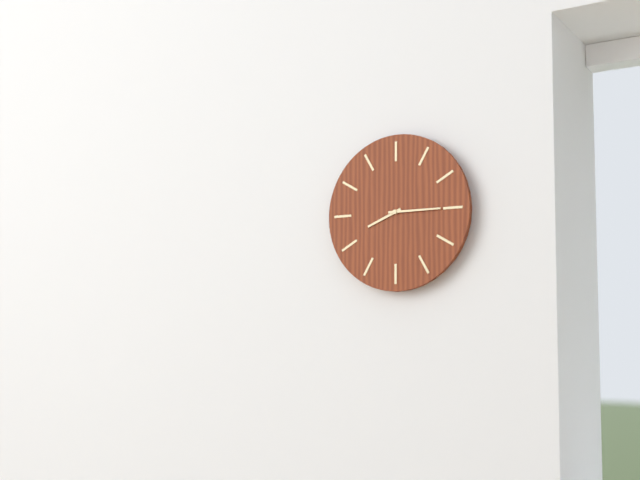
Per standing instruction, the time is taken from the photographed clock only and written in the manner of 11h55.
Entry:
8h15
